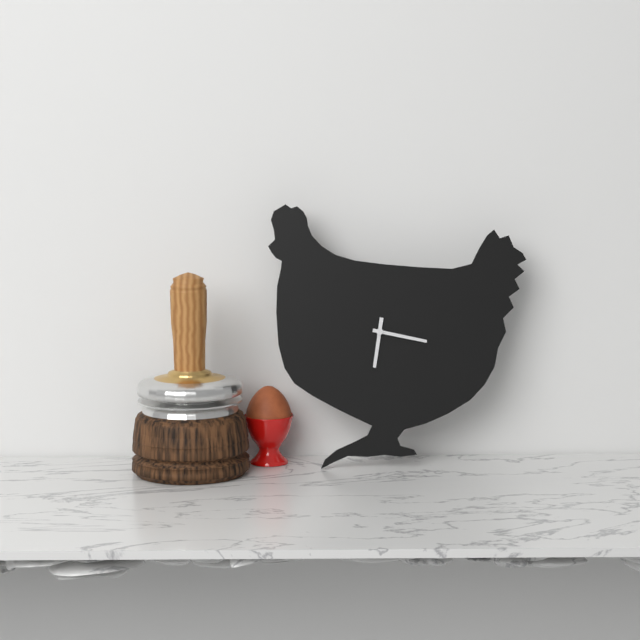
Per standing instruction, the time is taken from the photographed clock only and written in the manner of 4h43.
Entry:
6h17
